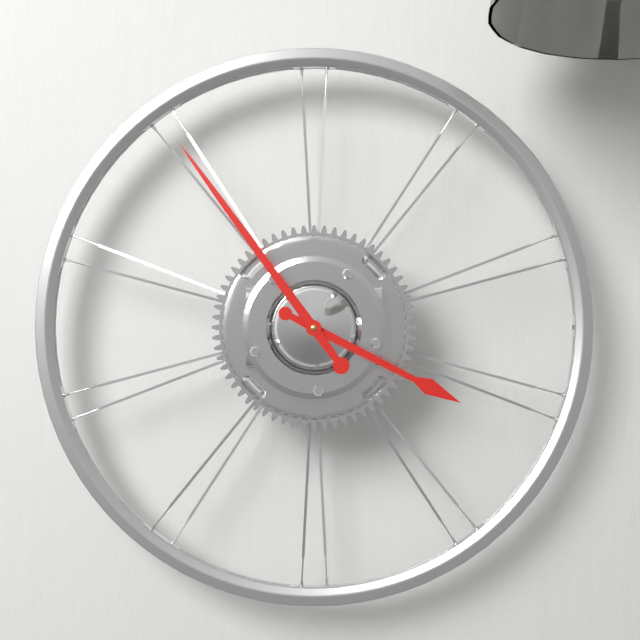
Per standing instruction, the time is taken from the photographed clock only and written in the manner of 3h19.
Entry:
3h54
